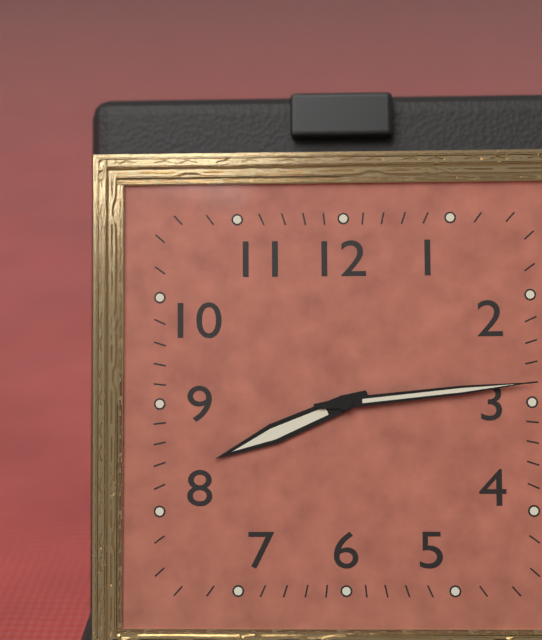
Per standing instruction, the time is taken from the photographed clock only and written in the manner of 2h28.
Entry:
8h14
